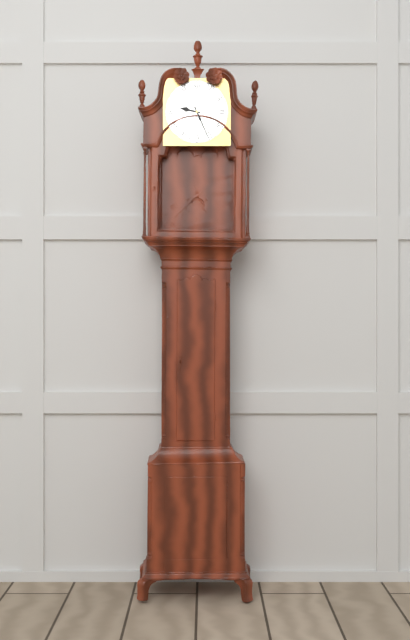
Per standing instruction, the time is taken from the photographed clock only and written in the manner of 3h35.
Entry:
9h26
